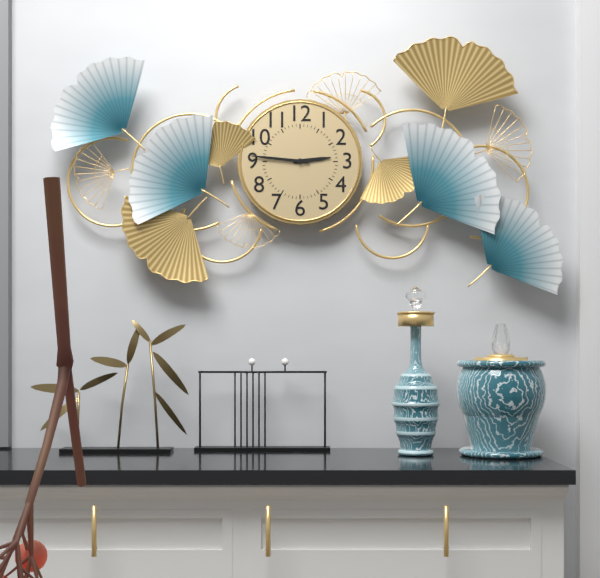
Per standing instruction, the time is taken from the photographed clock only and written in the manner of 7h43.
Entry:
2h46
